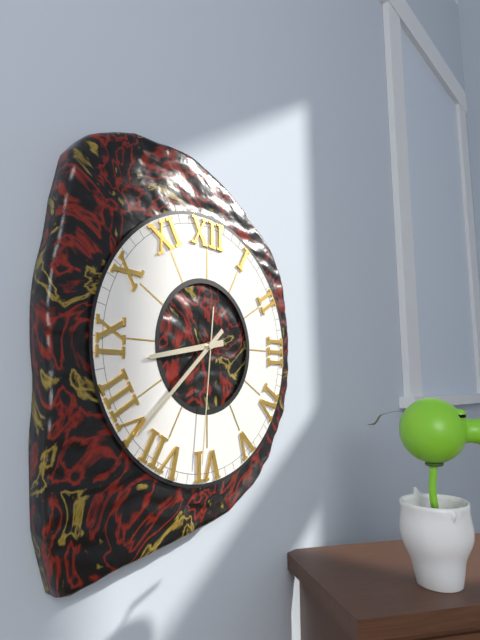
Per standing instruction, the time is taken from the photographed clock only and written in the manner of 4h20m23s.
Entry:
8h38m31s
